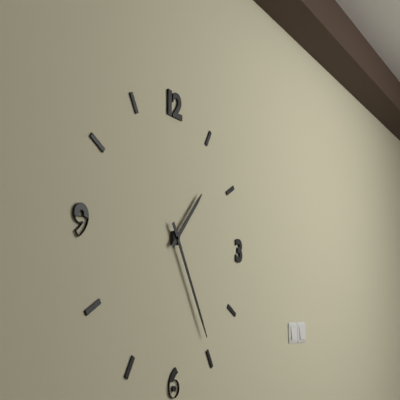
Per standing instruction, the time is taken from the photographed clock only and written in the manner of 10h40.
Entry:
1h25
